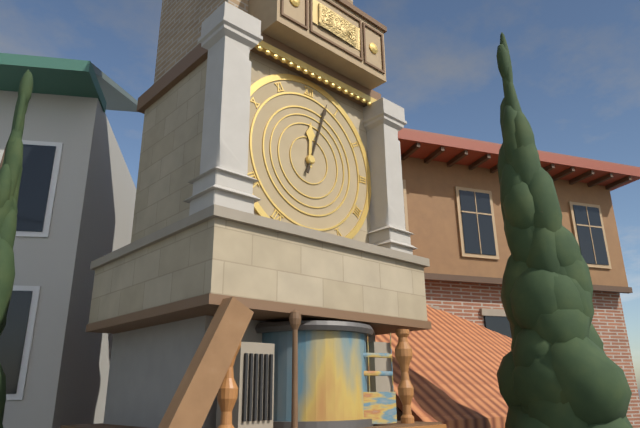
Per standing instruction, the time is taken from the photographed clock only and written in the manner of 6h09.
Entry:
12h03
